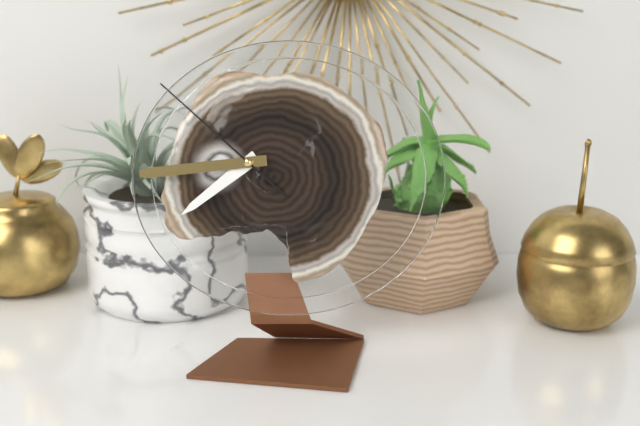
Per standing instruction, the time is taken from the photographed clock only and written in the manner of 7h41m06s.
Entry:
7h44m52s
